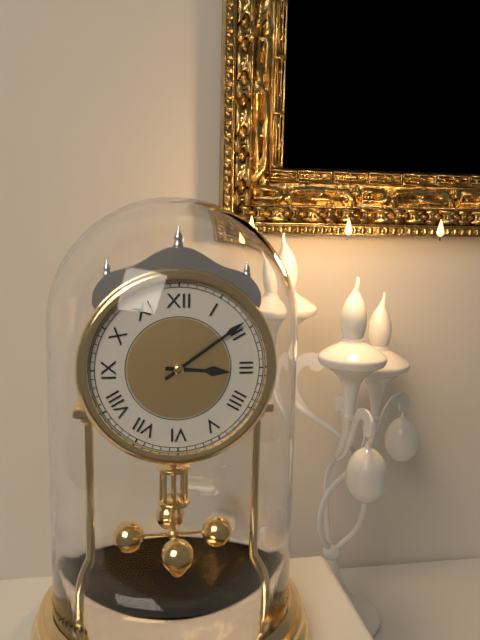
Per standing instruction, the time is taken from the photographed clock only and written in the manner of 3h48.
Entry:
3h09
